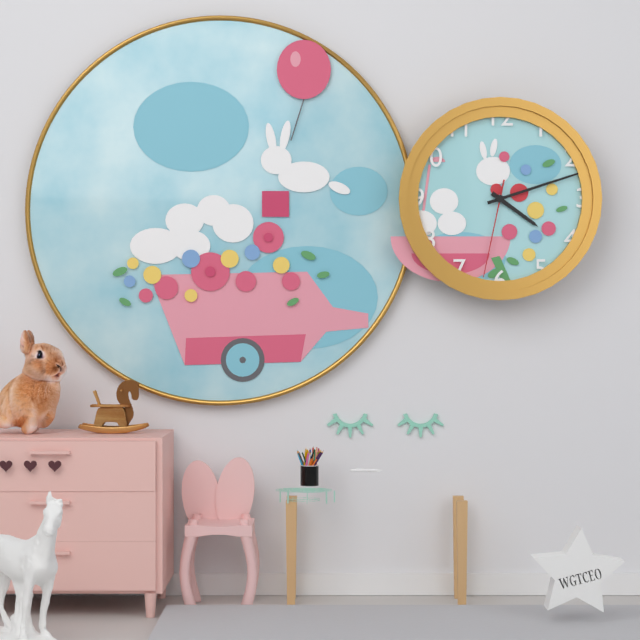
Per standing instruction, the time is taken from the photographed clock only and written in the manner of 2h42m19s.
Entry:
4h12m32s
